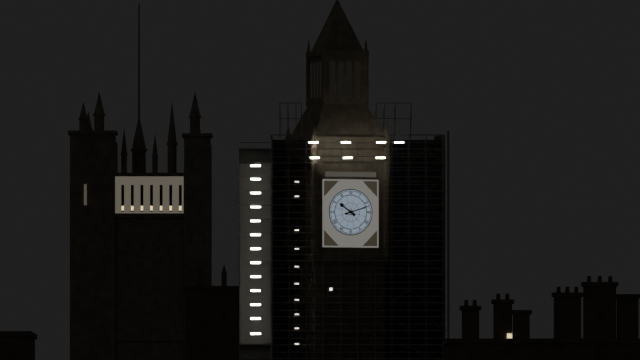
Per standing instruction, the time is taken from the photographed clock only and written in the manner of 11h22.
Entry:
10h12
